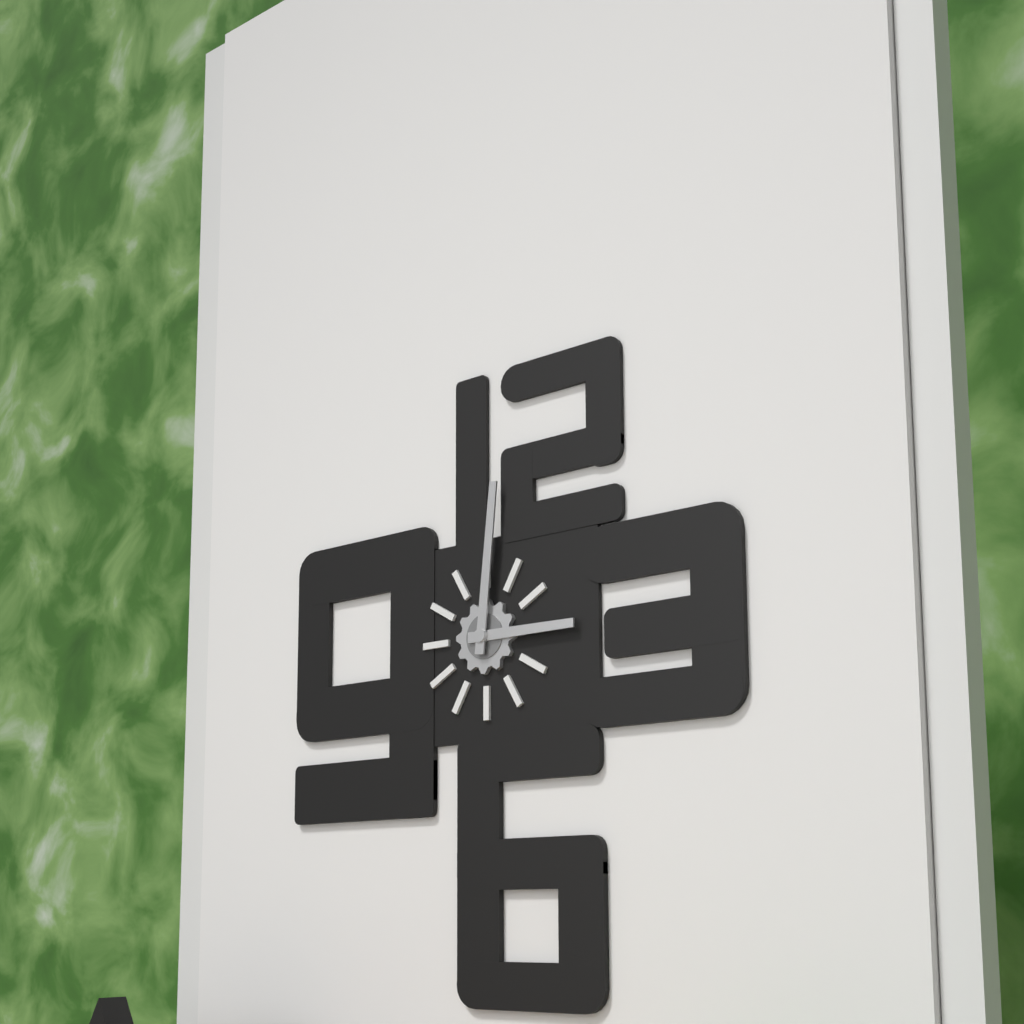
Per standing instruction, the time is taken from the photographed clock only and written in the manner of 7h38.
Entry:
3h01
